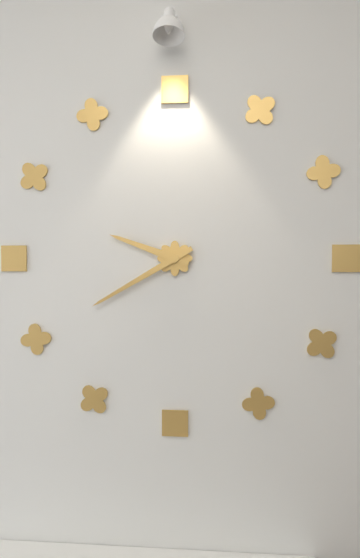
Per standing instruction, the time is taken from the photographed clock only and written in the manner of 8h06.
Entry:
9h40
